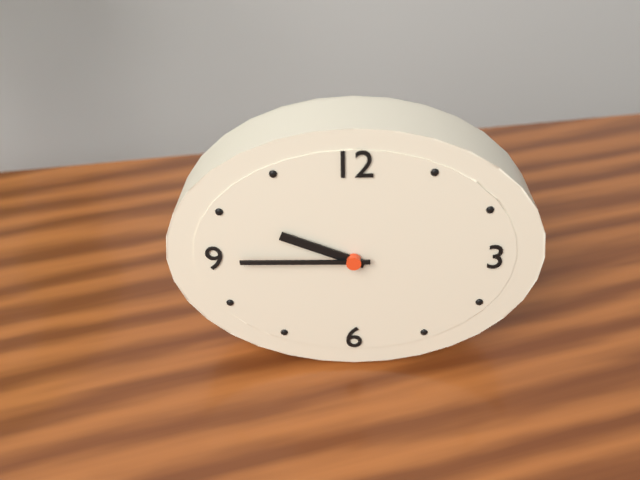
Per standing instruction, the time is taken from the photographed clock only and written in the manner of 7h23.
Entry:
9h45
